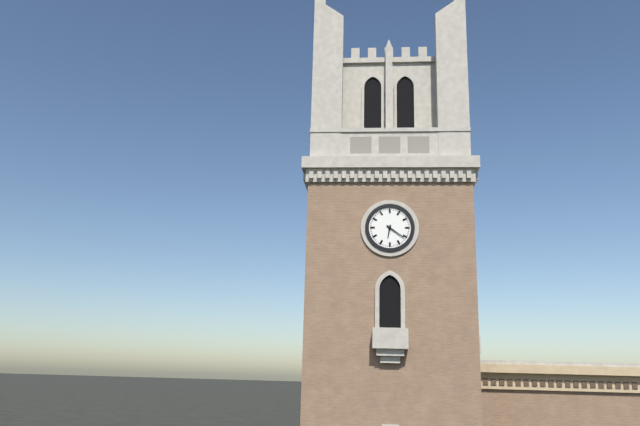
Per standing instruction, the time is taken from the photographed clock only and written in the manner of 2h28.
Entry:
6h21
